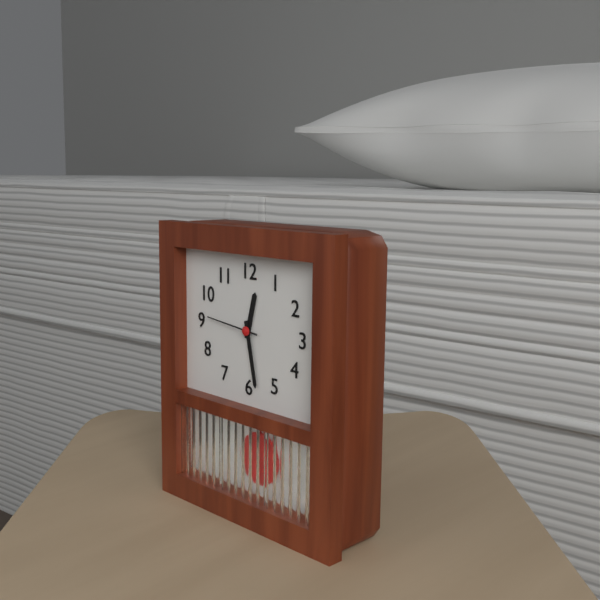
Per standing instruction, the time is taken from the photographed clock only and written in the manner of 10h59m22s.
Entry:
12h28m46s
